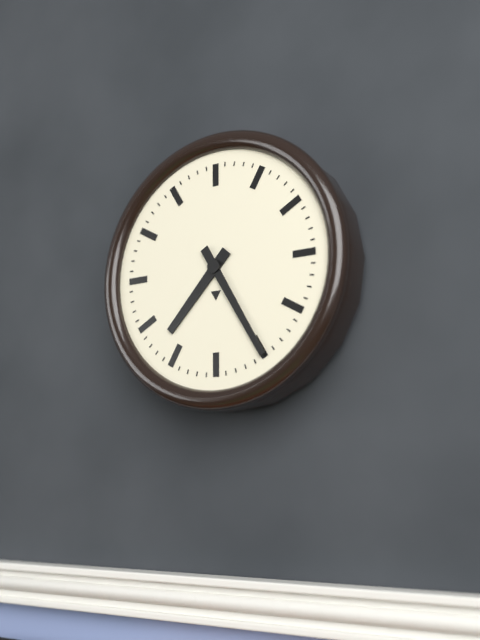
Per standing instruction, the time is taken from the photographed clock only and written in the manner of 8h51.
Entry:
7h25
